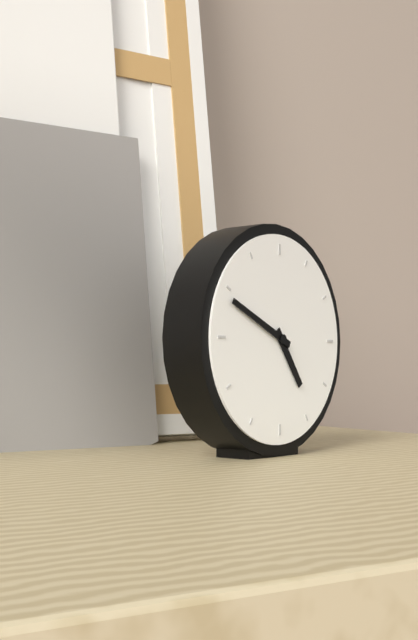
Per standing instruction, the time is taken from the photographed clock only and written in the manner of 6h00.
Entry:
4h49
